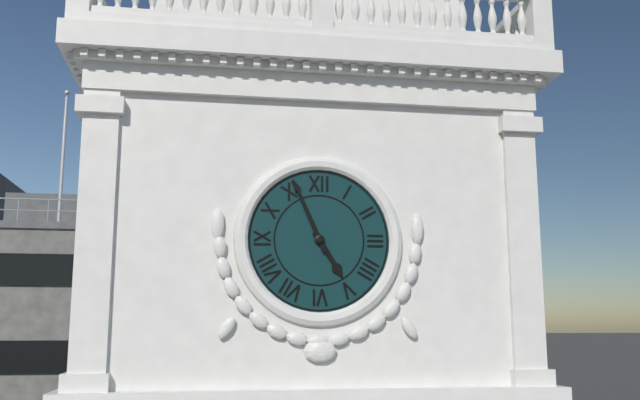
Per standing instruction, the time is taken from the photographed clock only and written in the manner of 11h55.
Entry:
4h56
